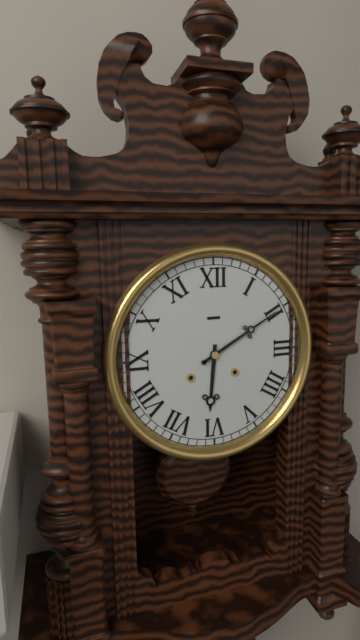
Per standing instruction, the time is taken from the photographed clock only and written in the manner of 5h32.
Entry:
6h10
